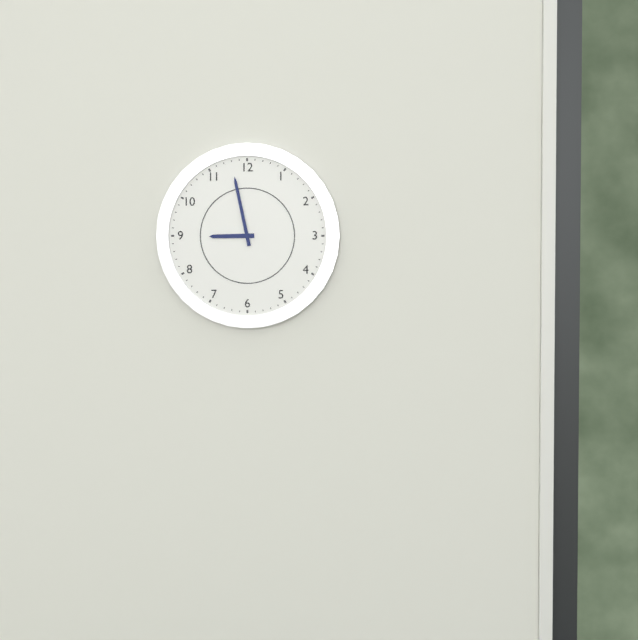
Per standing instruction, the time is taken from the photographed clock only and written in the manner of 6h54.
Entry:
8h58
